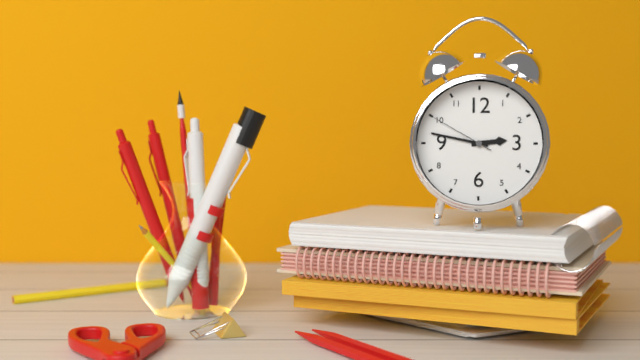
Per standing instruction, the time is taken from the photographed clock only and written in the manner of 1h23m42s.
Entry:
2h47m50s
